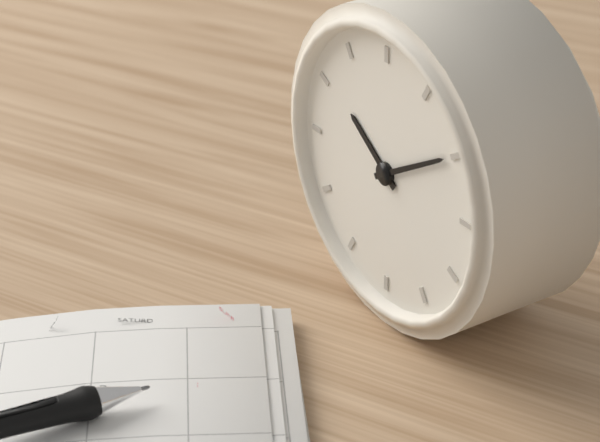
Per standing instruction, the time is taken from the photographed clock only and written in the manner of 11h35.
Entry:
10h10
